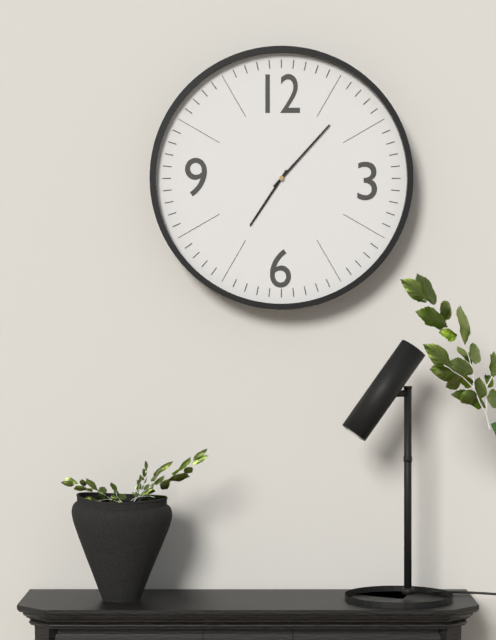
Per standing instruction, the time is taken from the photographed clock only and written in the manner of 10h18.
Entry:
7h07
